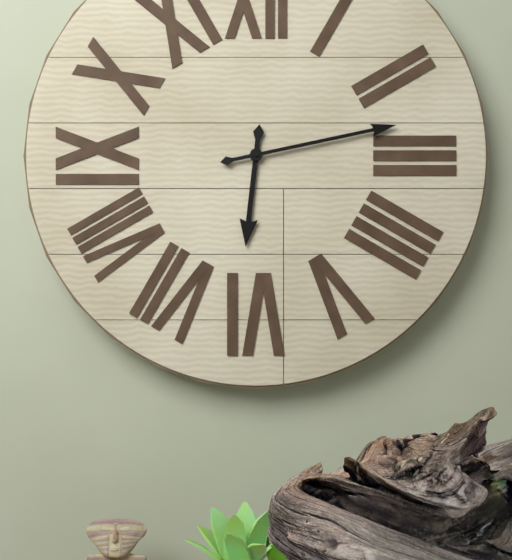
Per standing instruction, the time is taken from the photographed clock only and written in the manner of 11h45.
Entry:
6h13
